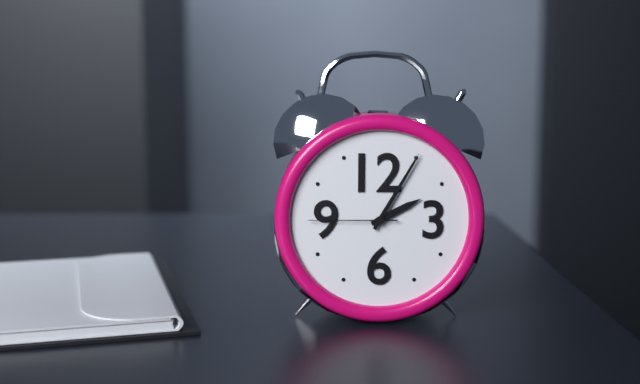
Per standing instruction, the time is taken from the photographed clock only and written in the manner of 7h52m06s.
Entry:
2h05m45s
